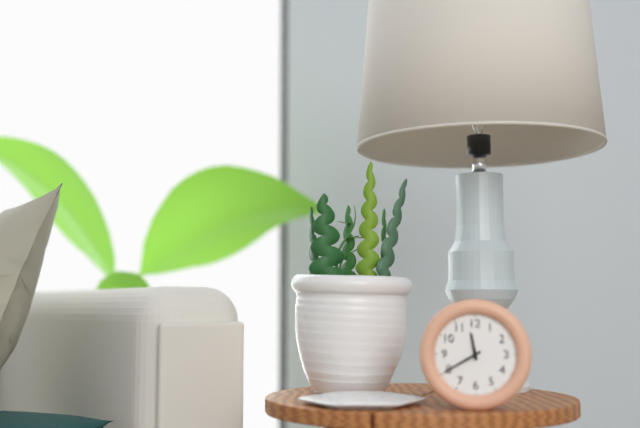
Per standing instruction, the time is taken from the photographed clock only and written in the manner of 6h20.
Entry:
11h40
